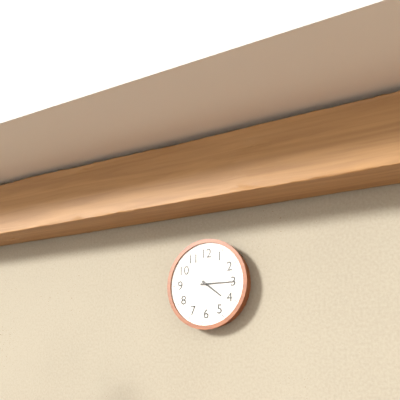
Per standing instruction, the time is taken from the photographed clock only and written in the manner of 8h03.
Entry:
4h15
